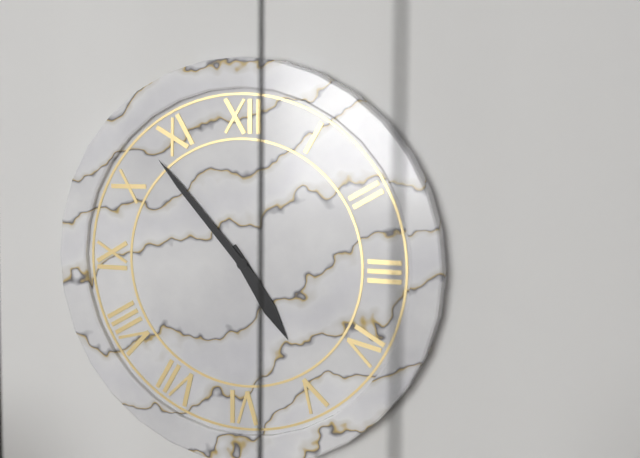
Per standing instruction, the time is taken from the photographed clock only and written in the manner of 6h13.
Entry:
4h53
